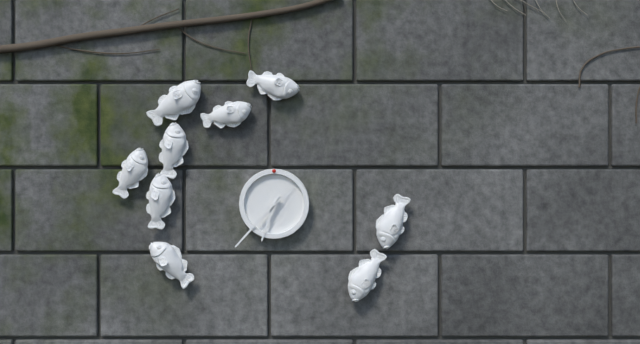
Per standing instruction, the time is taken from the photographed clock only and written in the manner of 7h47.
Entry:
6h37
